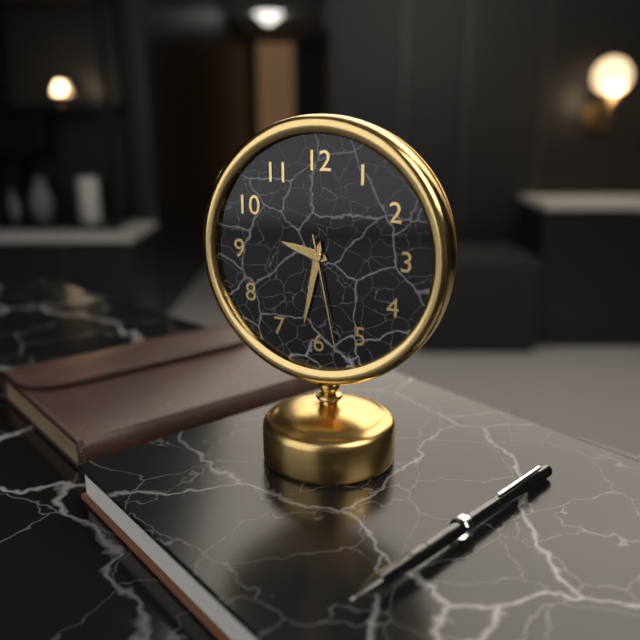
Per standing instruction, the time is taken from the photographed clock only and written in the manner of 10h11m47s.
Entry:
9h32m28s
